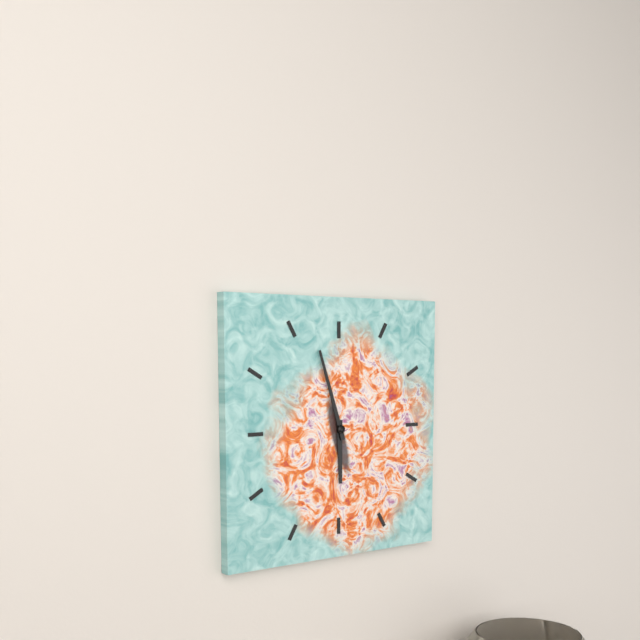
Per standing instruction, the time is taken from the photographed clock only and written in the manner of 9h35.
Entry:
5h57
